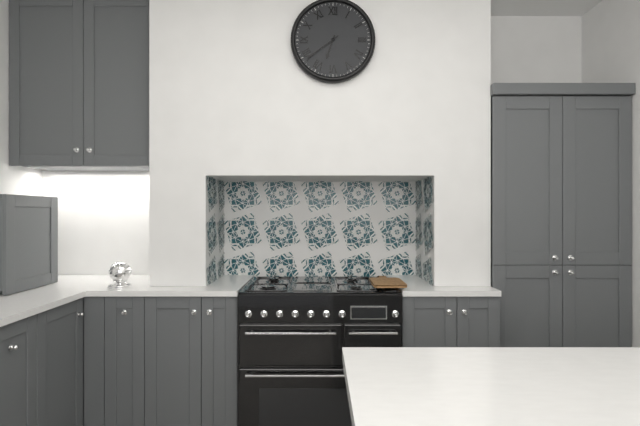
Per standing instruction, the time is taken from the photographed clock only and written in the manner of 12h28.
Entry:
6h39
